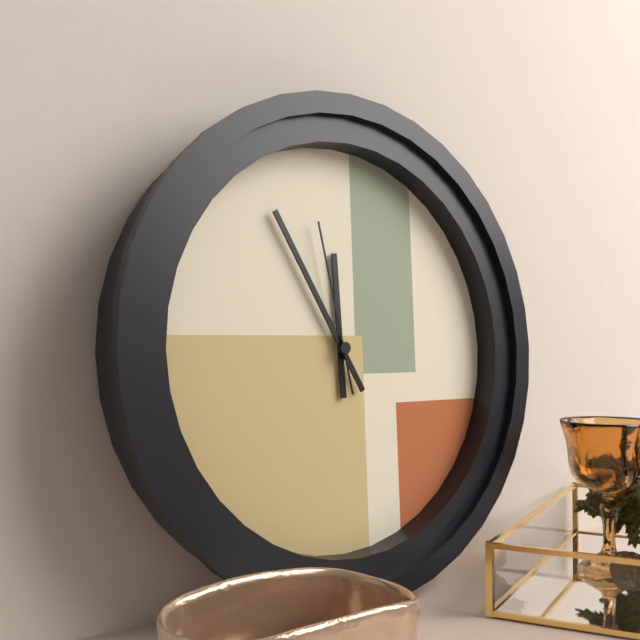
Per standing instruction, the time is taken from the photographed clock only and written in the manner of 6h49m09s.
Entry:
11h55m58s
